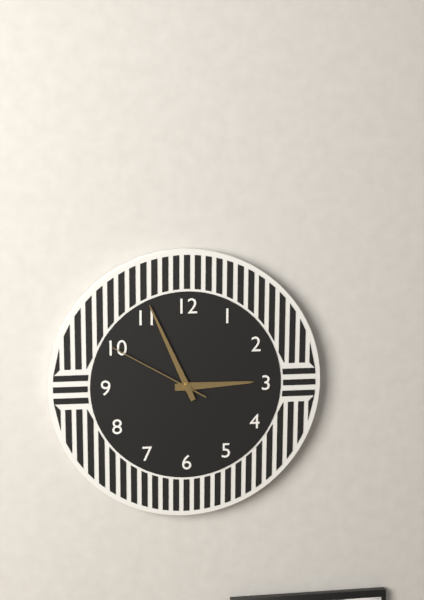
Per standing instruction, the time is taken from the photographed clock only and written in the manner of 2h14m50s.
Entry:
2h56m50s
